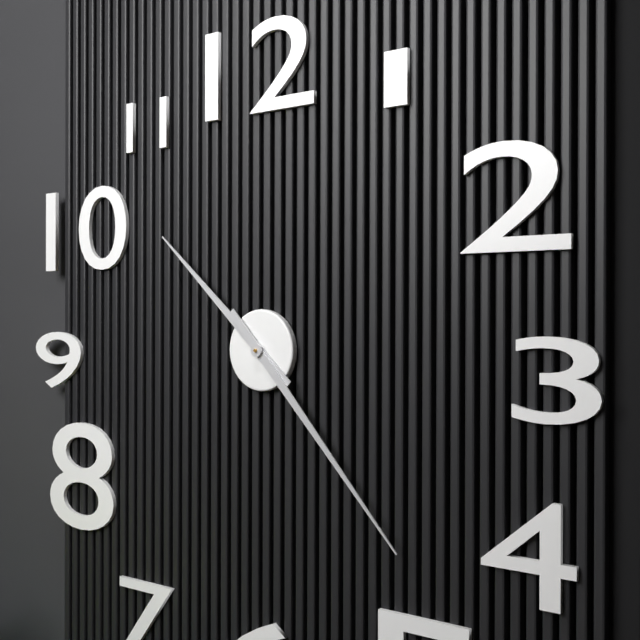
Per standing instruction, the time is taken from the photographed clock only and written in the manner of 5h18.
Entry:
10h23
